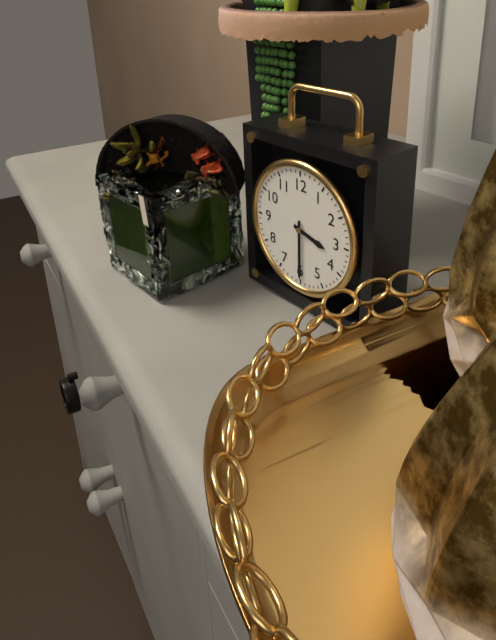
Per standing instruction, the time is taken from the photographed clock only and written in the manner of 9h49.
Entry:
3h30
